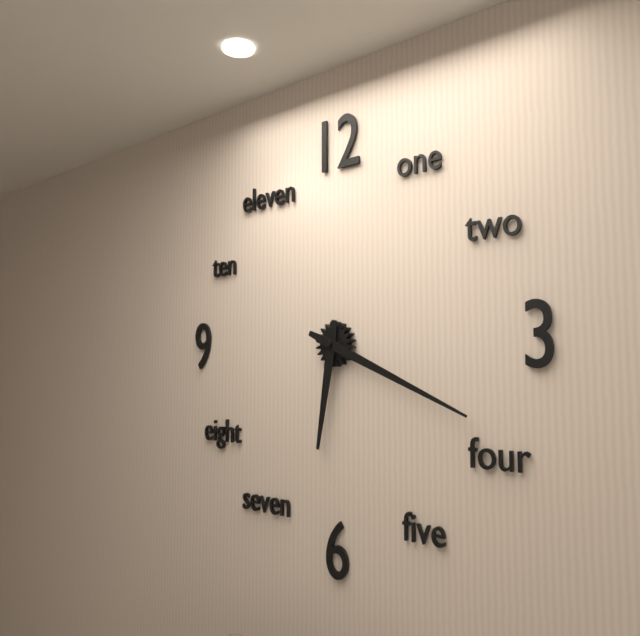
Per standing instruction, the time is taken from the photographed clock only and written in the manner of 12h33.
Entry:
6h19
